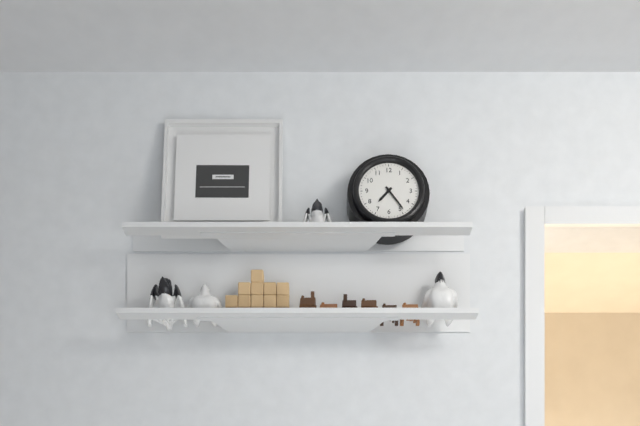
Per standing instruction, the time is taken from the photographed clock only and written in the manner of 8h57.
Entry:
7h24
